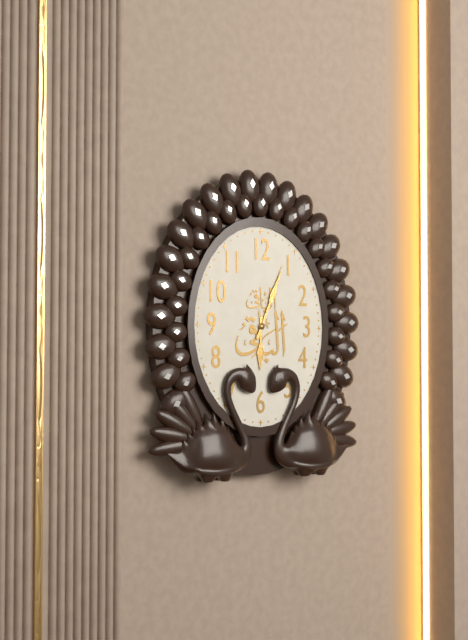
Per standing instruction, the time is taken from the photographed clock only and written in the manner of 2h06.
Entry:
6h04
